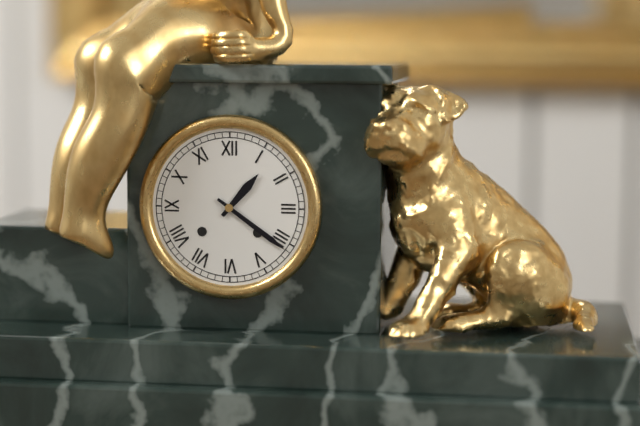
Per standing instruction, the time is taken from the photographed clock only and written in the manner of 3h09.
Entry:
1h21
